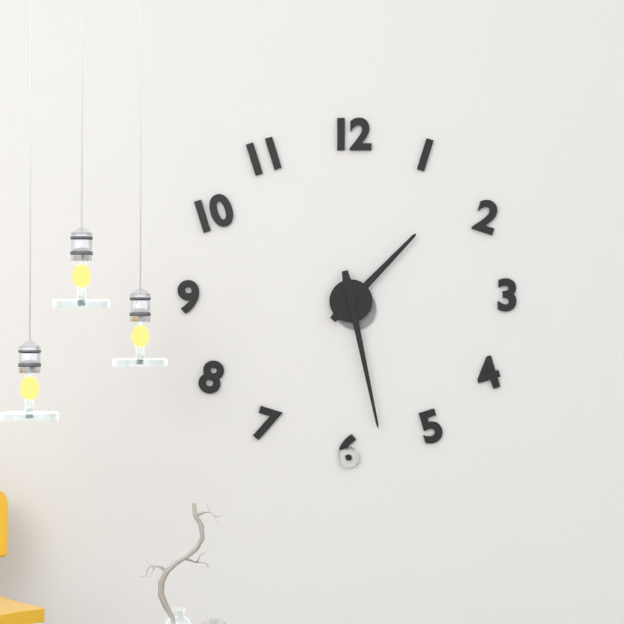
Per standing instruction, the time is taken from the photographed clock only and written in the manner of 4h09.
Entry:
1h28
